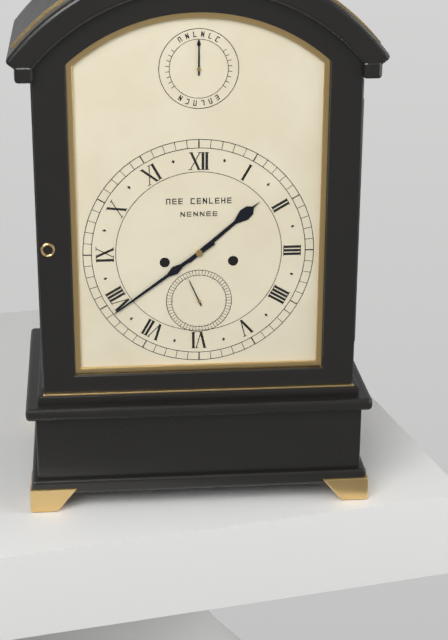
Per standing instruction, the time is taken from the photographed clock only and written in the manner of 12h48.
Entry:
1h39
